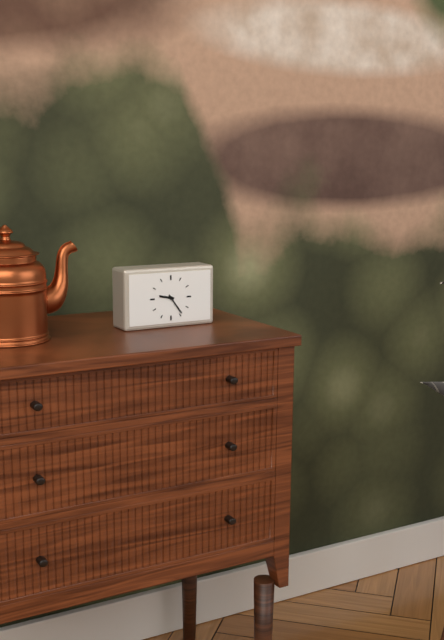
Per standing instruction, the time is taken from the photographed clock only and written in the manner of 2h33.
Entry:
9h24
